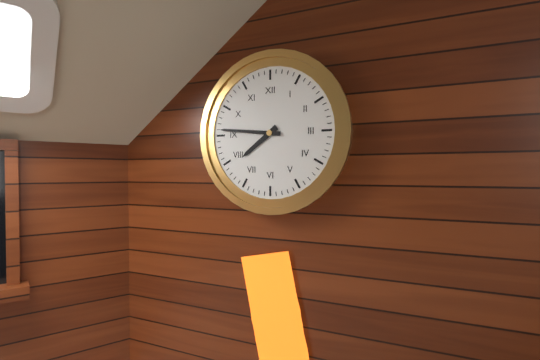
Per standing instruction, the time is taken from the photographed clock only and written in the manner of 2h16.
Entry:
7h46
